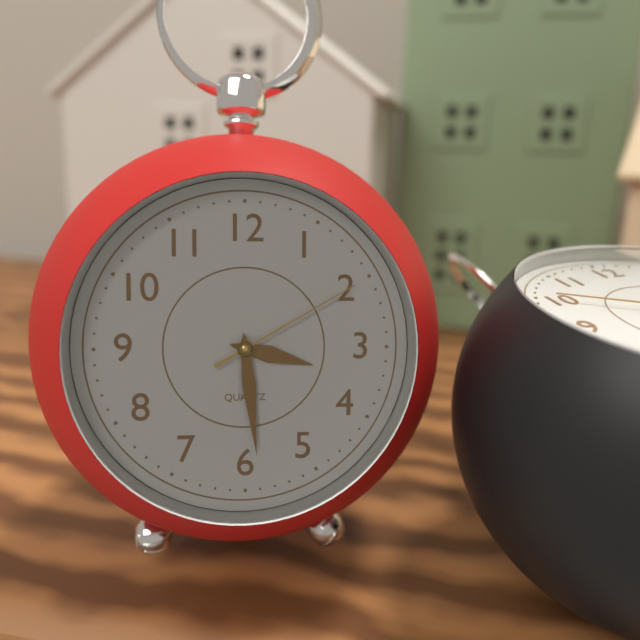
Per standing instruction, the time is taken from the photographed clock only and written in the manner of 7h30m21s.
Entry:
3h29m10s
